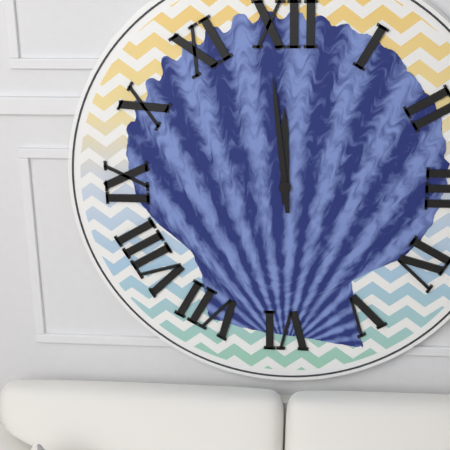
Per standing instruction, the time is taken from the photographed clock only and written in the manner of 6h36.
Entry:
11h59
